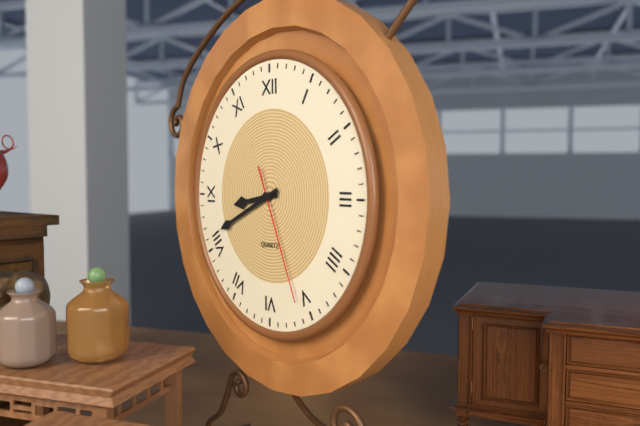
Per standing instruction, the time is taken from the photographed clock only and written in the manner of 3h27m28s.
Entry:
8h41m26s
